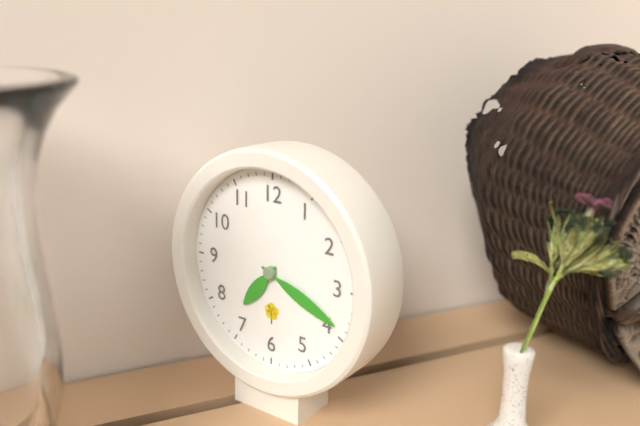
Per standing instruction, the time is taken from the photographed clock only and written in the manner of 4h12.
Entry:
7h19
